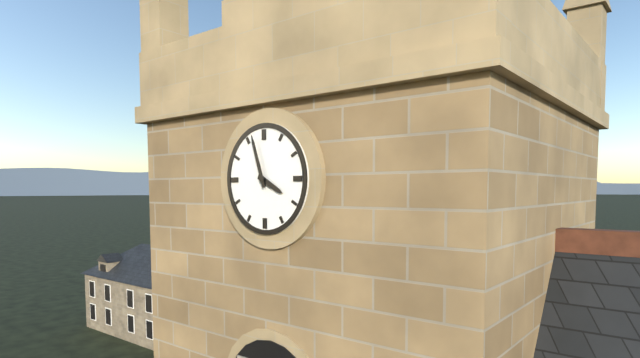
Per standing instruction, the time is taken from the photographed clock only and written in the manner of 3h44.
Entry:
3h57
